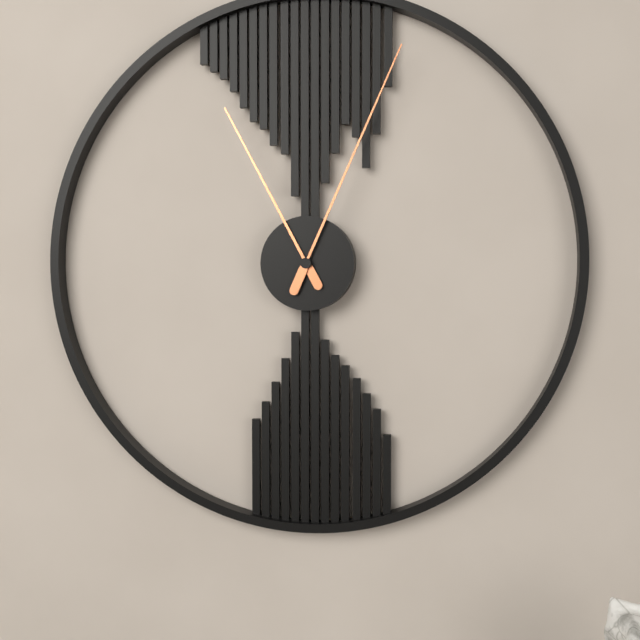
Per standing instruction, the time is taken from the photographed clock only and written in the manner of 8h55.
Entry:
11h04
